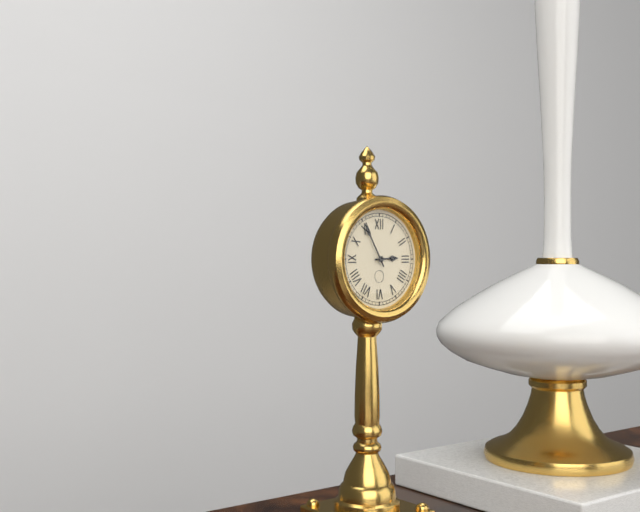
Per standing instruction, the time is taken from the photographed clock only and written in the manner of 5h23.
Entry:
2h55
